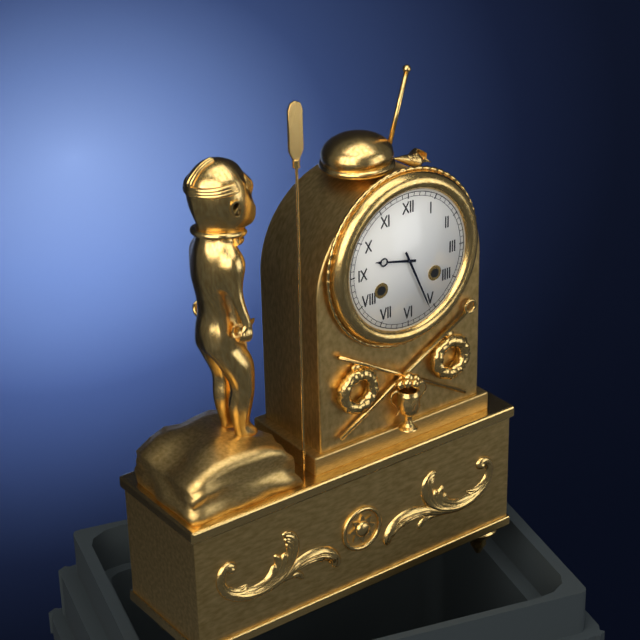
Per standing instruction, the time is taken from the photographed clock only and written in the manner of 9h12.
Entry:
9h26
